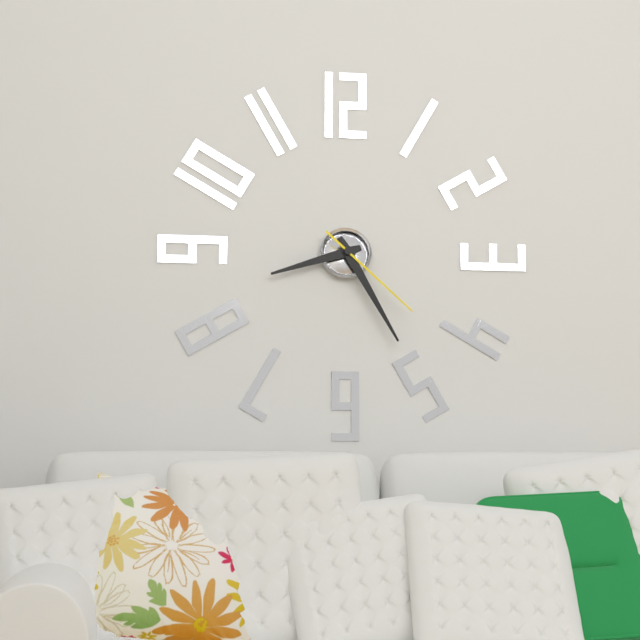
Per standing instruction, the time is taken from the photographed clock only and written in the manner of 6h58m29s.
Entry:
8h25m22s
